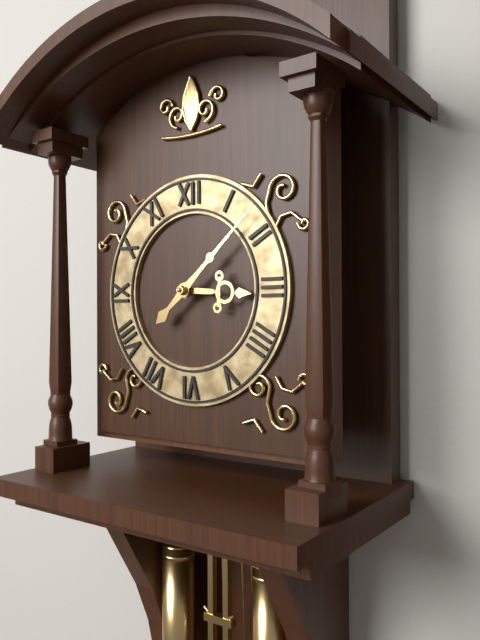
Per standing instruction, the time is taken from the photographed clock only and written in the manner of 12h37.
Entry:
3h08
